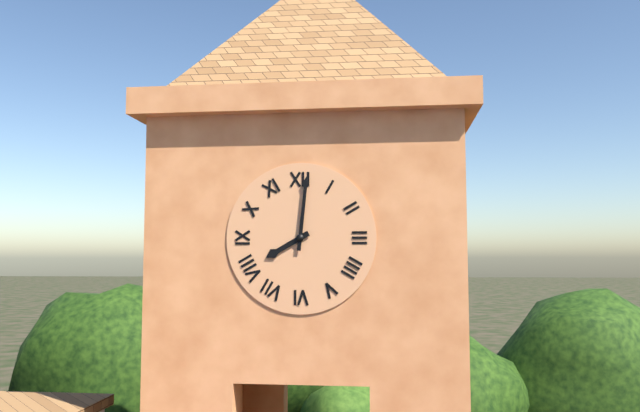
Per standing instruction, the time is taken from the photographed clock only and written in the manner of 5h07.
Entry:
8h01
